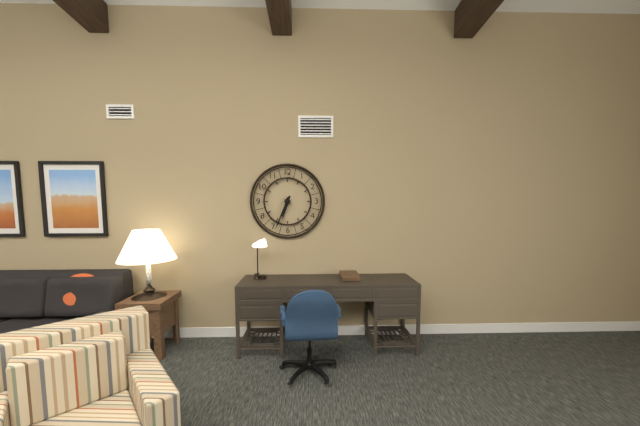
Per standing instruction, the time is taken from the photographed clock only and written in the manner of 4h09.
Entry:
6h34
